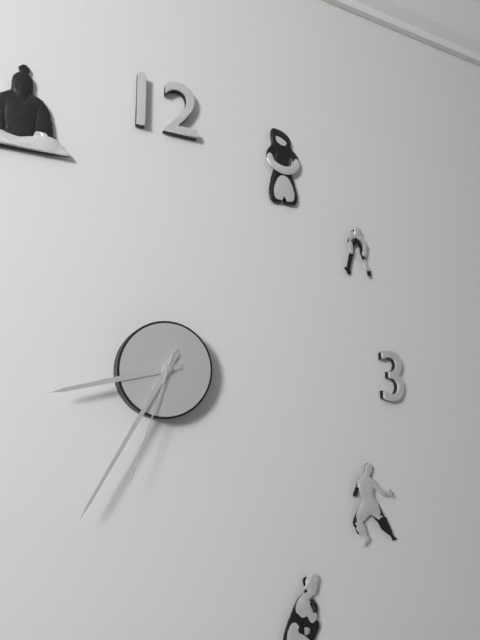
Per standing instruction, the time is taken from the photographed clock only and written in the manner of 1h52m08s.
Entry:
8h35m33s
